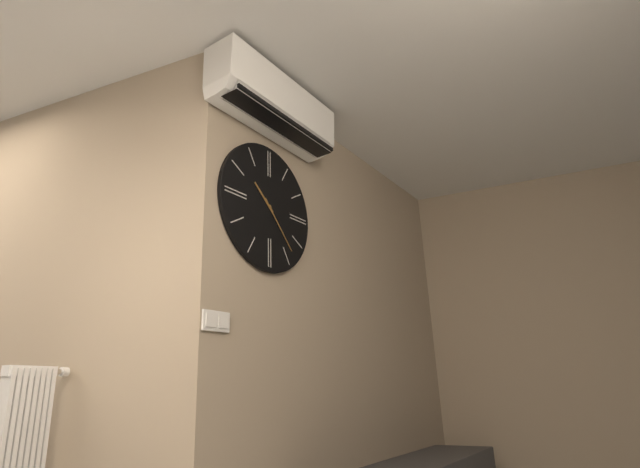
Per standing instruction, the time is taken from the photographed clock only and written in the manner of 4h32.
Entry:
10h23
